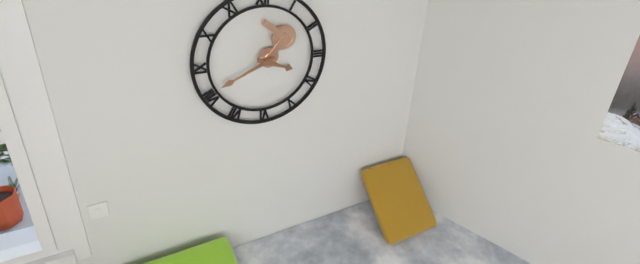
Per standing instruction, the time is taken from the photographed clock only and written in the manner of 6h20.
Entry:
3h41
